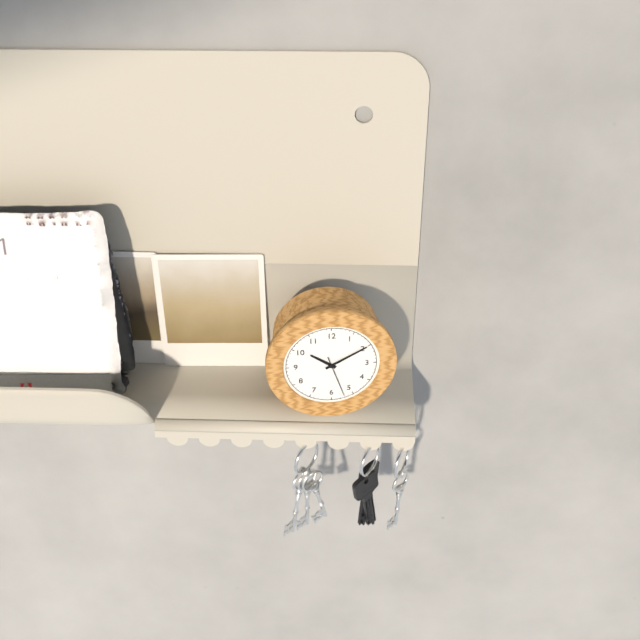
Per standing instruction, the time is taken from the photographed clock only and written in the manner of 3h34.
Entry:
10h10
